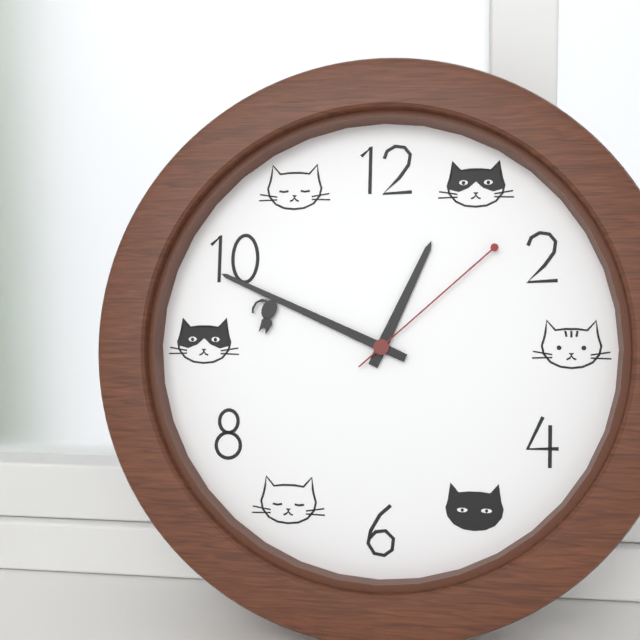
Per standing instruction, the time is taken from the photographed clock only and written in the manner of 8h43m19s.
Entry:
12h49m08s
